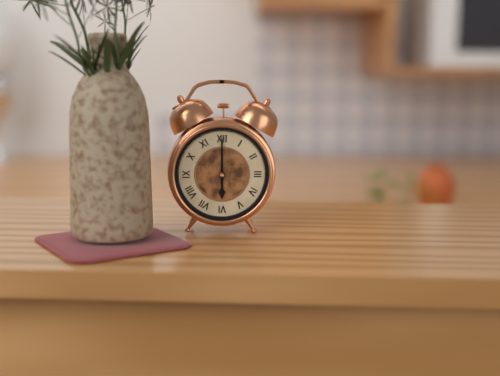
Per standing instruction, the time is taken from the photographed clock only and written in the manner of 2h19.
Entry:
6h00
